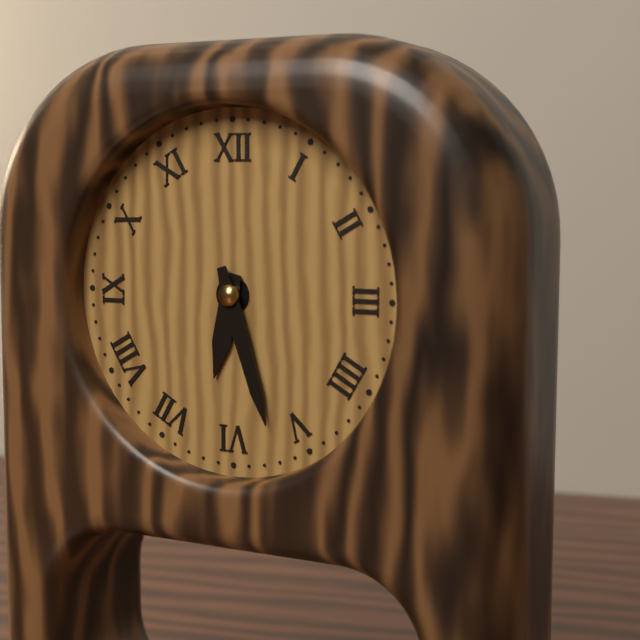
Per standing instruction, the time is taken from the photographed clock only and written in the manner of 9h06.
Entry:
6h27
